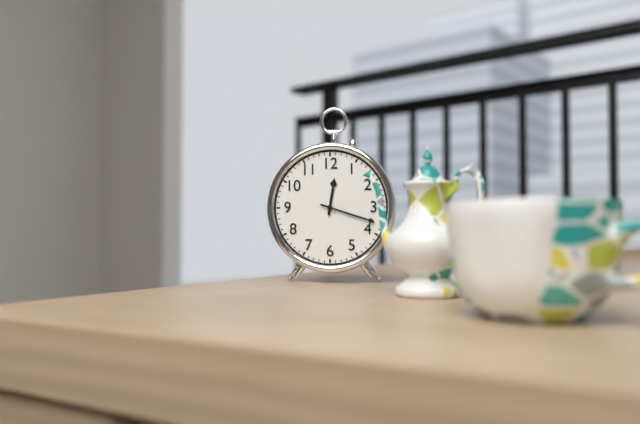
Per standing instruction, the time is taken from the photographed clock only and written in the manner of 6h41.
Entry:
12h18
